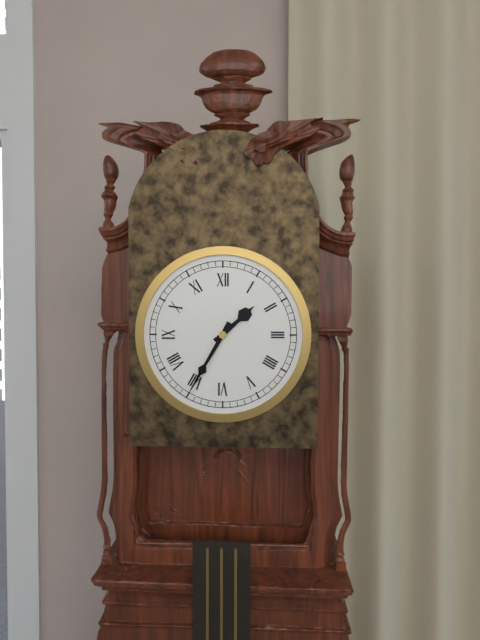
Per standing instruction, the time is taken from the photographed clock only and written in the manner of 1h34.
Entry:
1h35
